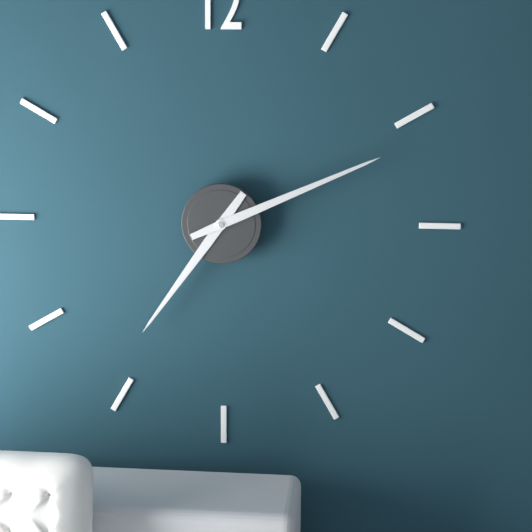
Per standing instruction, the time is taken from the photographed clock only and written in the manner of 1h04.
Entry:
7h11
